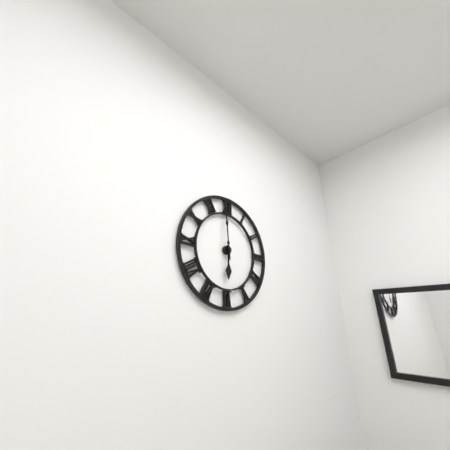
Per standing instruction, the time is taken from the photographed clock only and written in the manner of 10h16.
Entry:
5h59
